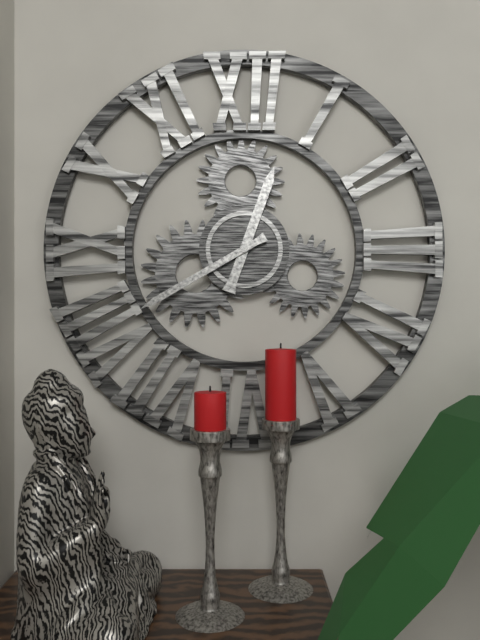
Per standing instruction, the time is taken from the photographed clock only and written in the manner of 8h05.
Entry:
12h40
